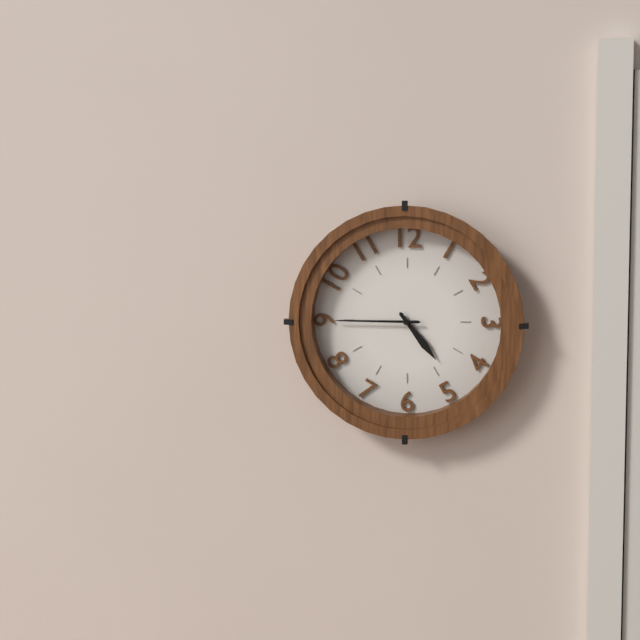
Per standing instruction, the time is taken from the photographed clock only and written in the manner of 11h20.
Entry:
4h45
